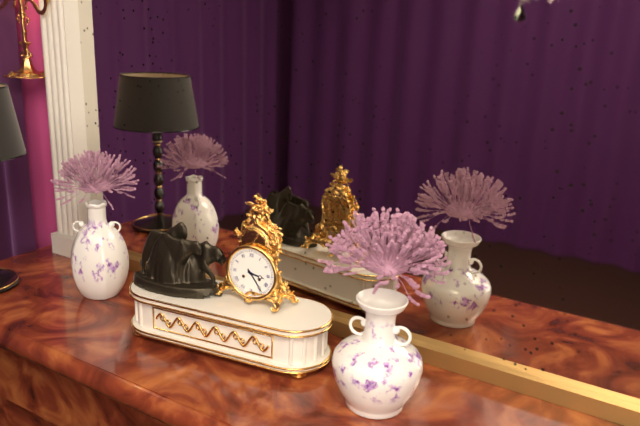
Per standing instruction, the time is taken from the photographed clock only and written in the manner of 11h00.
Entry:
3h24
